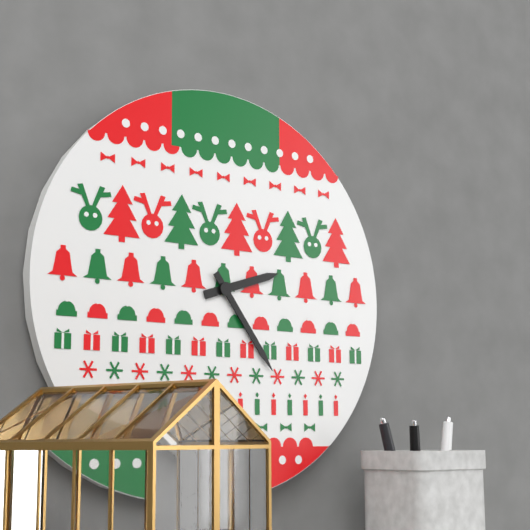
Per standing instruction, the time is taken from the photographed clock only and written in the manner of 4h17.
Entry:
2h24
